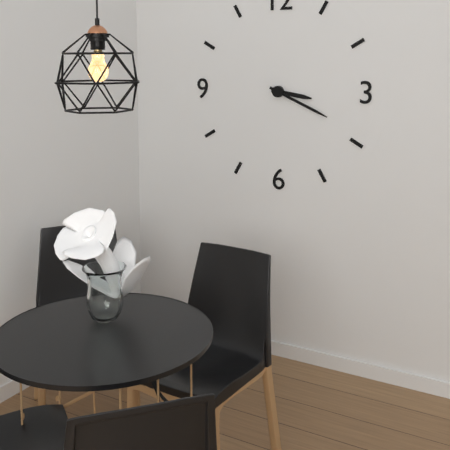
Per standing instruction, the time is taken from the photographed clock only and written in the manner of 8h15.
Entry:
3h19
